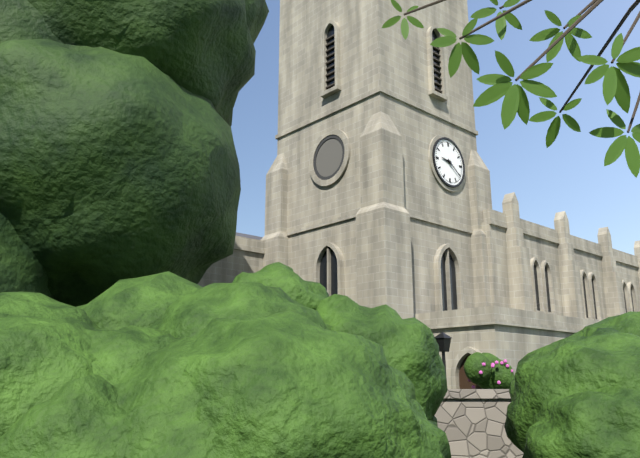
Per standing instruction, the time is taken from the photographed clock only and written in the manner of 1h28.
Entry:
9h21
